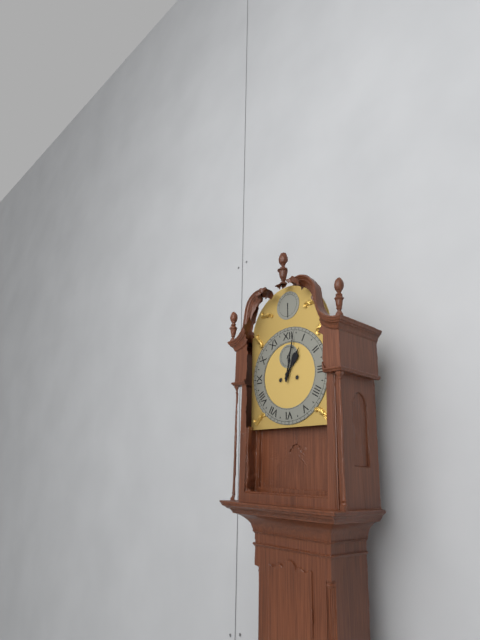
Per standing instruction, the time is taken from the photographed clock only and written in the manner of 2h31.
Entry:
1h02
